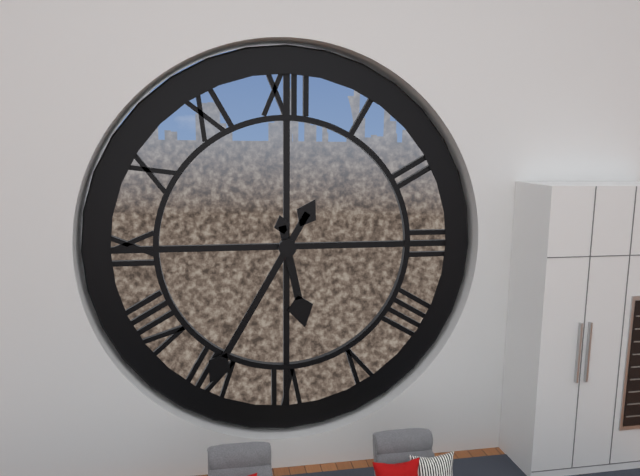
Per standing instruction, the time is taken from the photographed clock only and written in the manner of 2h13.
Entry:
5h35
